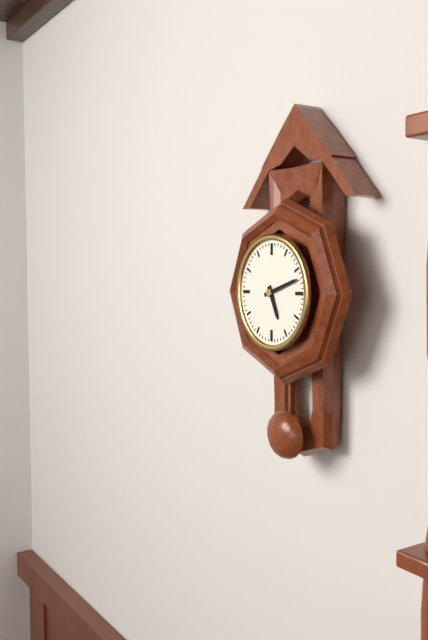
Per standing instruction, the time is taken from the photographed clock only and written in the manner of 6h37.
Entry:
5h12
